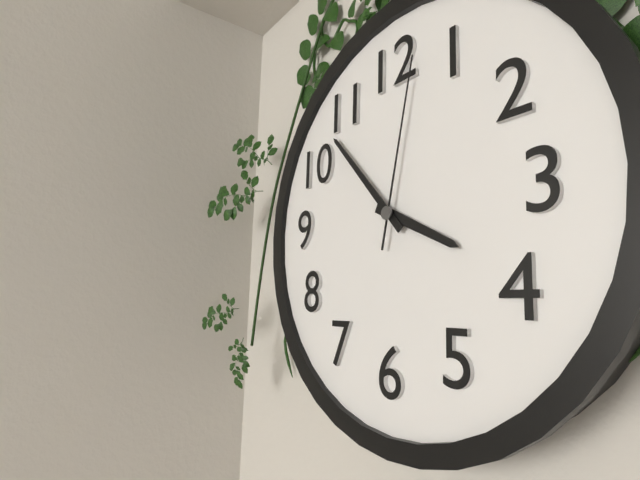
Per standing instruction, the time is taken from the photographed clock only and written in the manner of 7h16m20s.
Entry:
3h53m02s
